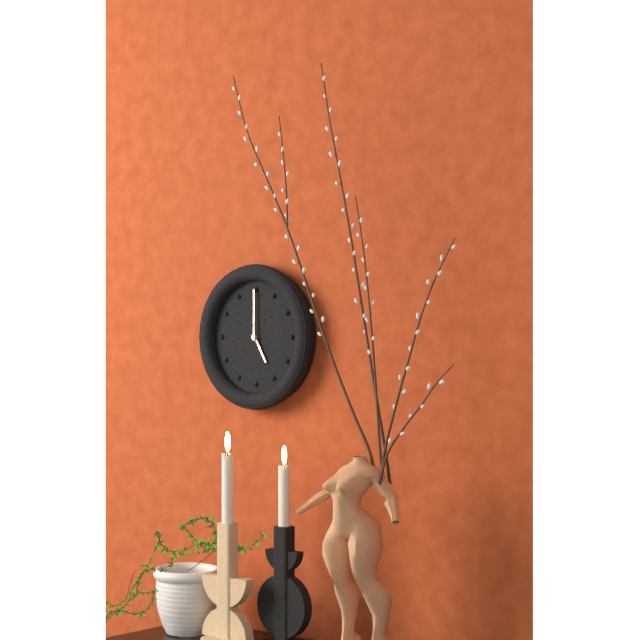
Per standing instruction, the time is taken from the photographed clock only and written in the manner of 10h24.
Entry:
5h00
